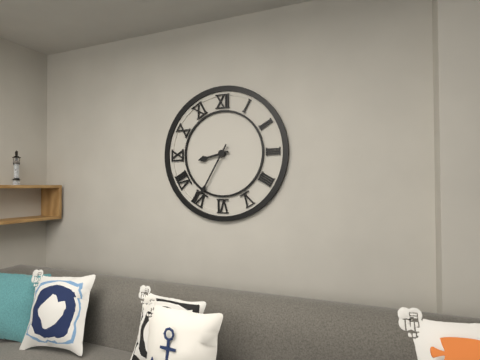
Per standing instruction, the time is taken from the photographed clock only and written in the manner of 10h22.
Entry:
8h35
